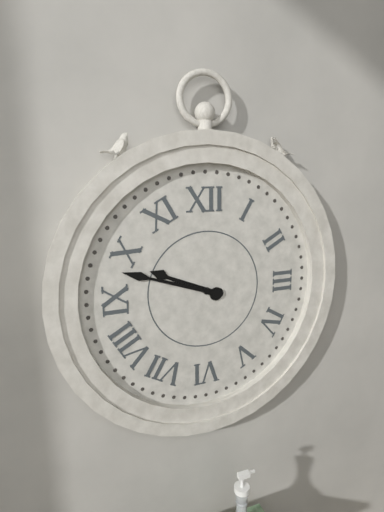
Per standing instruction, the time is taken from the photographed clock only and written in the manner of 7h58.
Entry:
9h48
